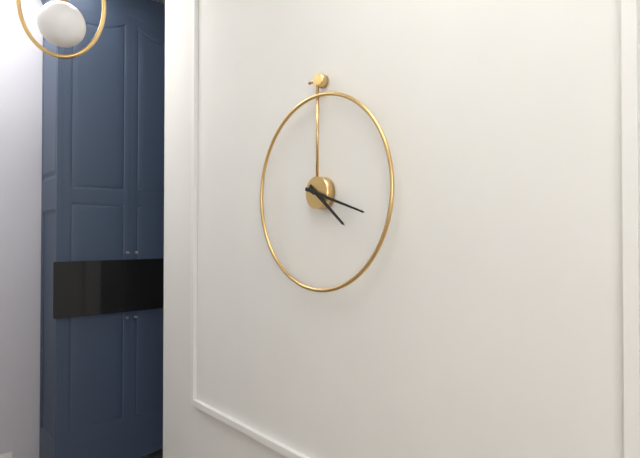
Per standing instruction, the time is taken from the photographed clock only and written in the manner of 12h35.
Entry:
4h18
